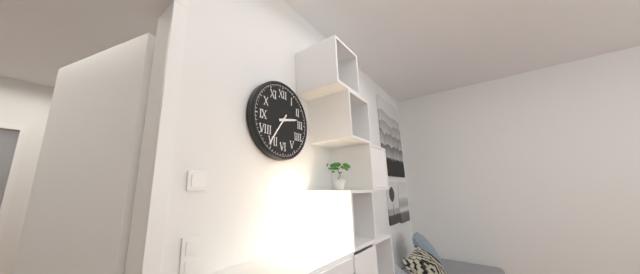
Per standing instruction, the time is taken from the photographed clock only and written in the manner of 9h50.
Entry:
2h36
